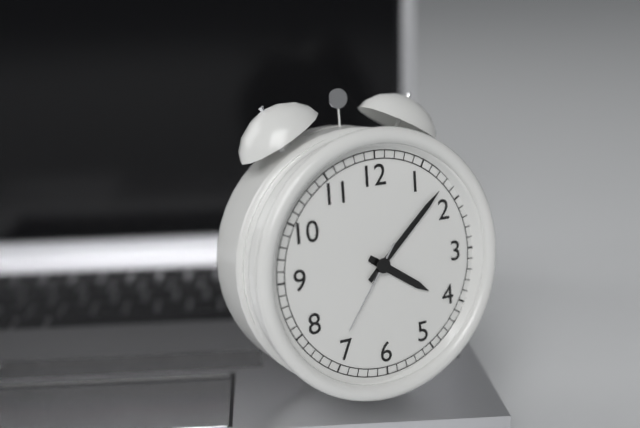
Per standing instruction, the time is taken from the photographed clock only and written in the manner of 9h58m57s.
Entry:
4h08m36s
